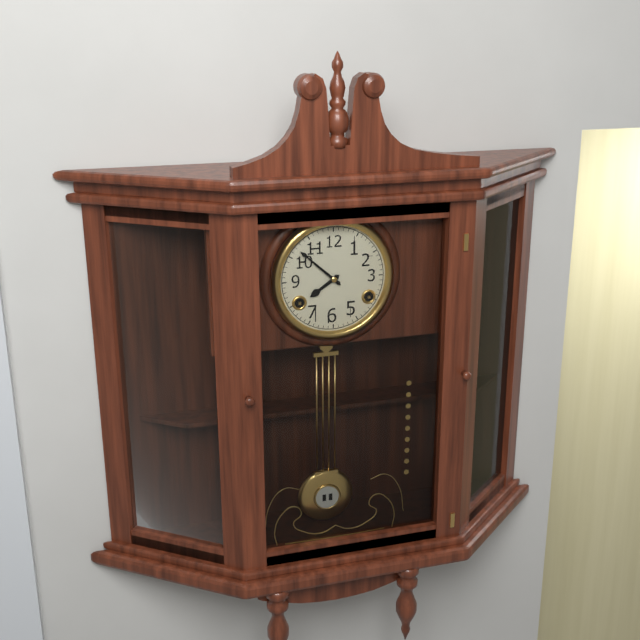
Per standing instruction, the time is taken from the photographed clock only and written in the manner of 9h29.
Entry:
7h52
